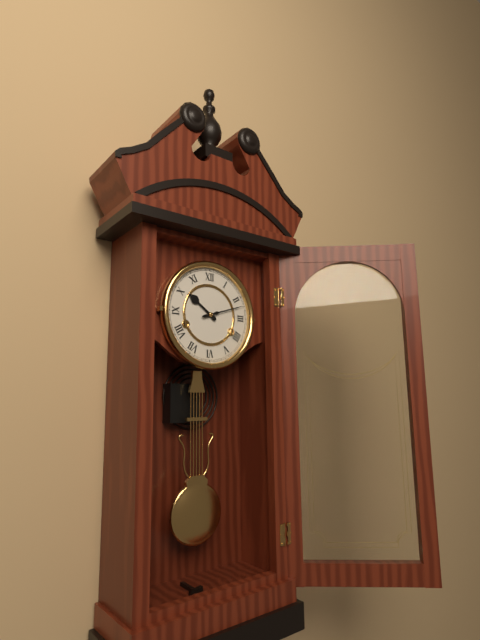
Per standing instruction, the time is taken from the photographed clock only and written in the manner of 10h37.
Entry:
10h12
